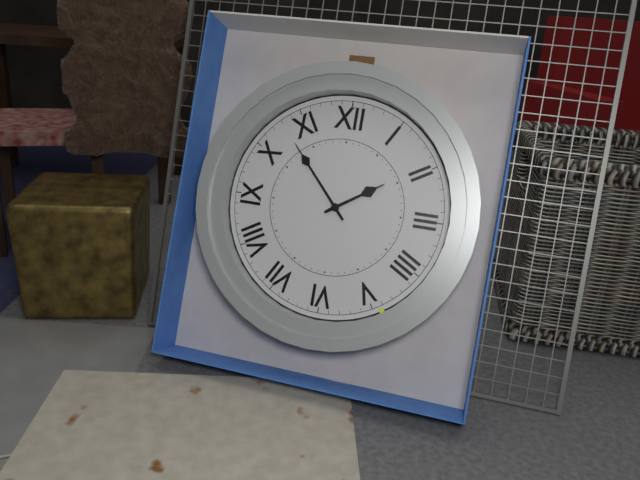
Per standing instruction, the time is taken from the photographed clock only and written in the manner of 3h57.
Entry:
1h53
